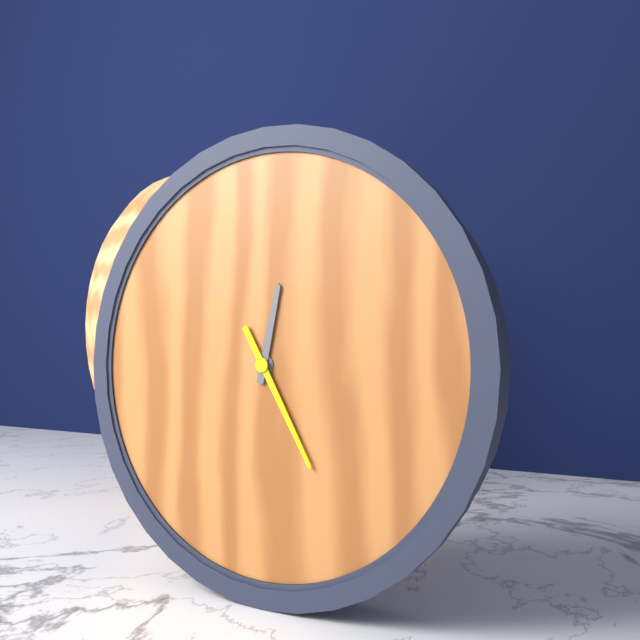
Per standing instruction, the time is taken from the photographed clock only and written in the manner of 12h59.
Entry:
12h25
